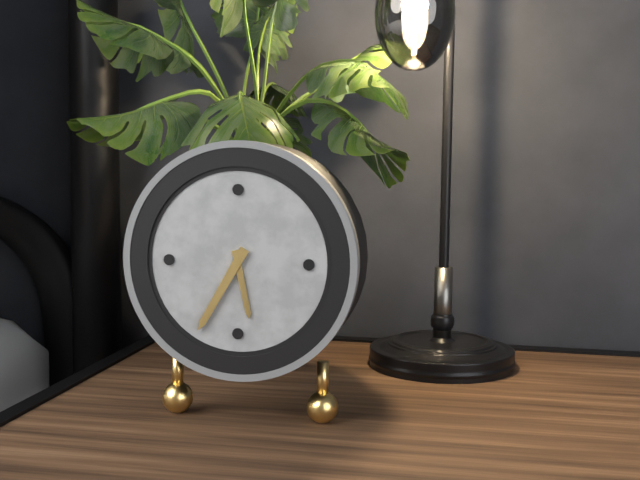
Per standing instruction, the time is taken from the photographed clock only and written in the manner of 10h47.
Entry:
5h35
